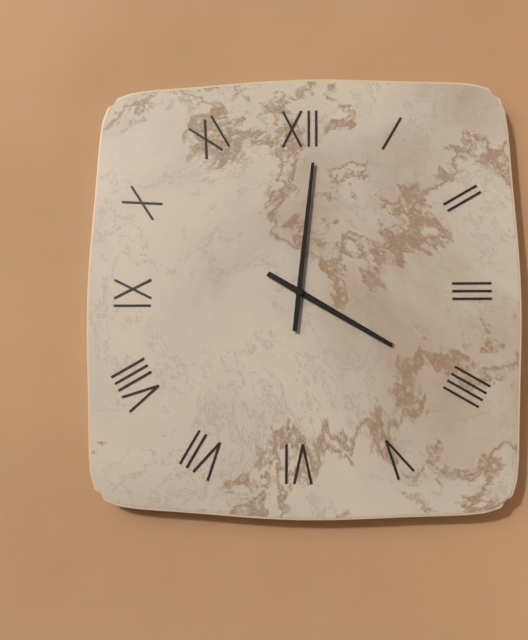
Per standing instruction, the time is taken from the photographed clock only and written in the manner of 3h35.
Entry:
4h01
